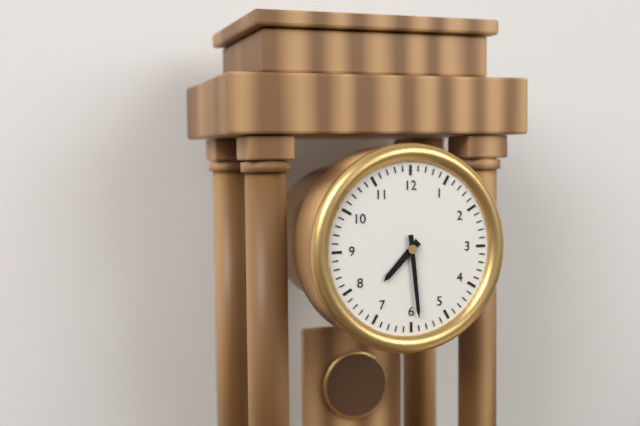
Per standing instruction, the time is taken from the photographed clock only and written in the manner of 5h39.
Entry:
7h29
